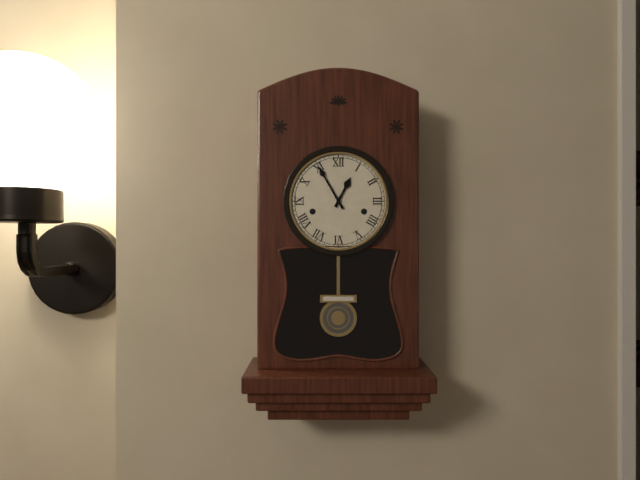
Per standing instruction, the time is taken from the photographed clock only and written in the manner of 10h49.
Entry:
12h55
